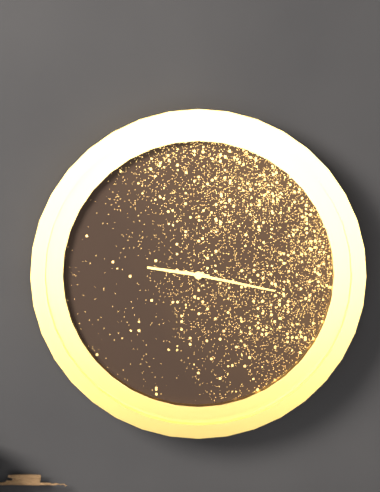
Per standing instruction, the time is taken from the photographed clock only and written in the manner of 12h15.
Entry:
9h17
